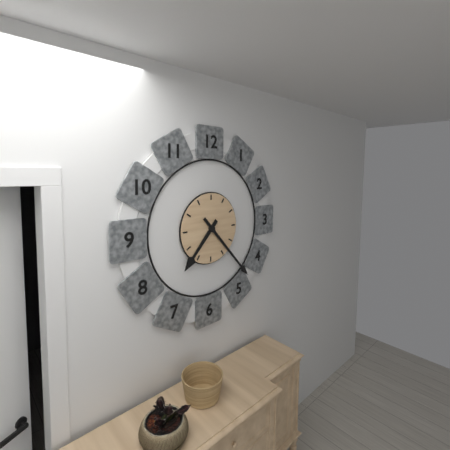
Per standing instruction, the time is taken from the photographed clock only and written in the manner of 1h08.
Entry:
7h23
